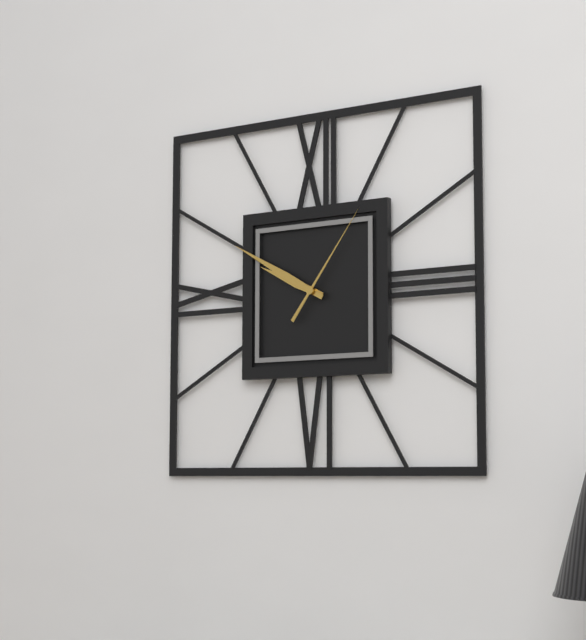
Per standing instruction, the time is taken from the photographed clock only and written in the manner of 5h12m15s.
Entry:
9h50m06s
